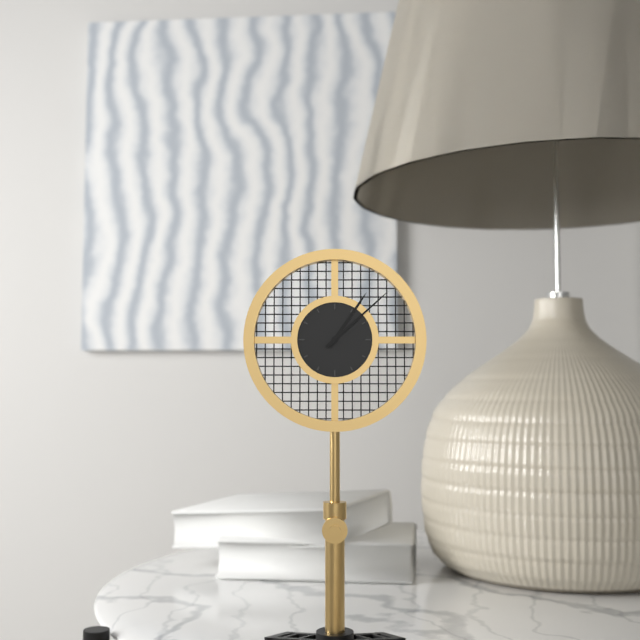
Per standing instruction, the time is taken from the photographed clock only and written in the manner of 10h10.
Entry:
1h08
